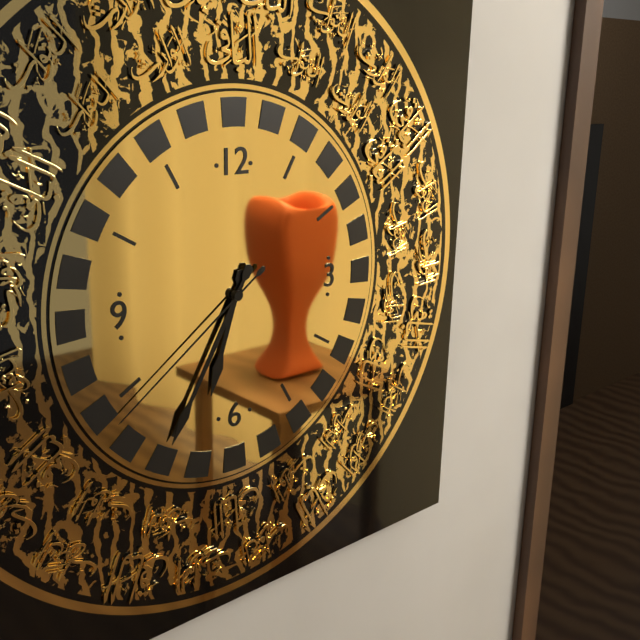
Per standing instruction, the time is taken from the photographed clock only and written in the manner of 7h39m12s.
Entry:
6h35m39s
